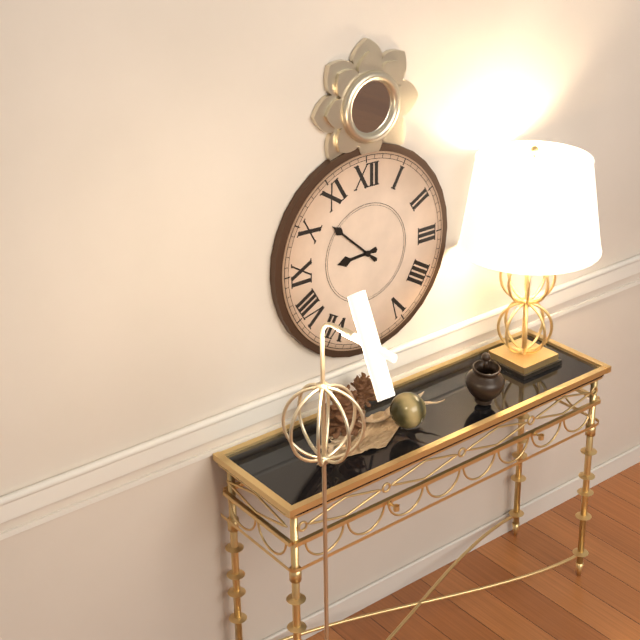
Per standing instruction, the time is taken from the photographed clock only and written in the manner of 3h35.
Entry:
8h52
